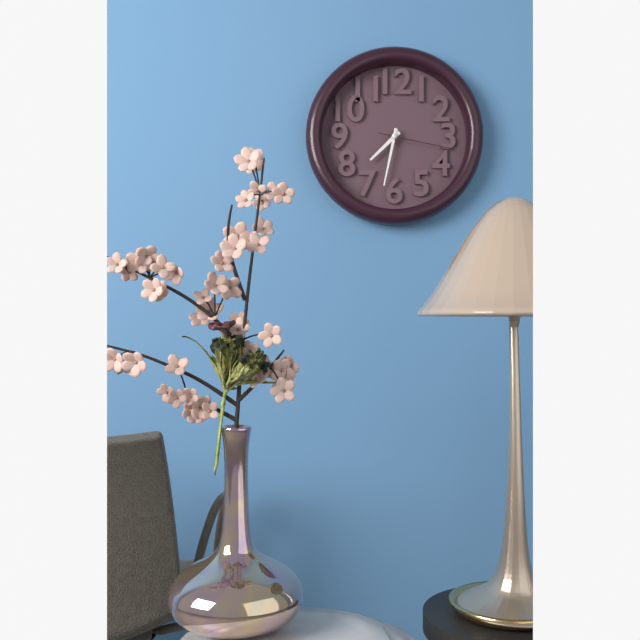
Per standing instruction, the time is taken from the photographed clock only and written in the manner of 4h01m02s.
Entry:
7h32m17s
